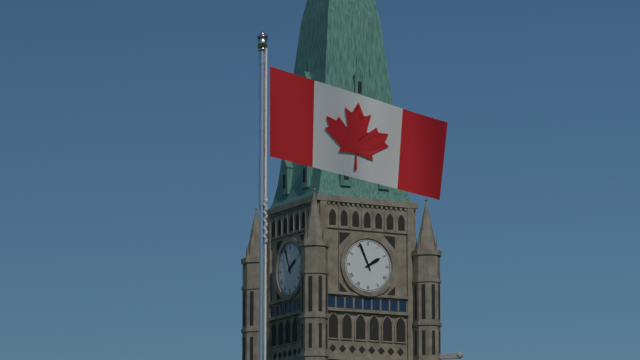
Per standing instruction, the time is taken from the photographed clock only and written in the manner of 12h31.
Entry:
1h56
